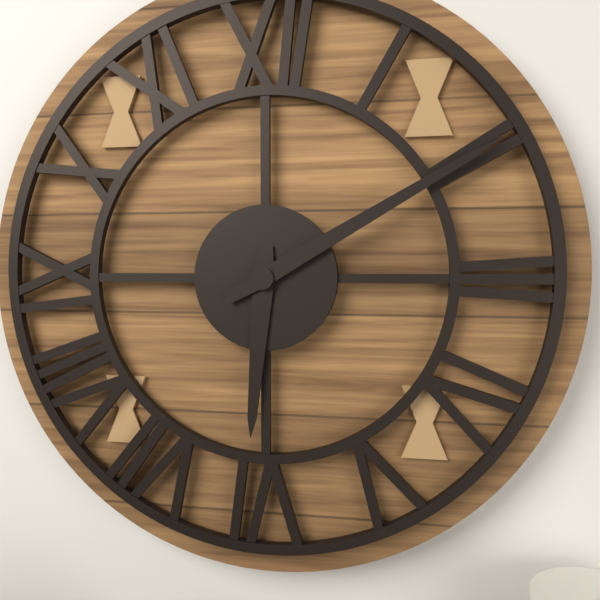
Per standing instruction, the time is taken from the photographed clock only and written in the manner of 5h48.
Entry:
6h10
